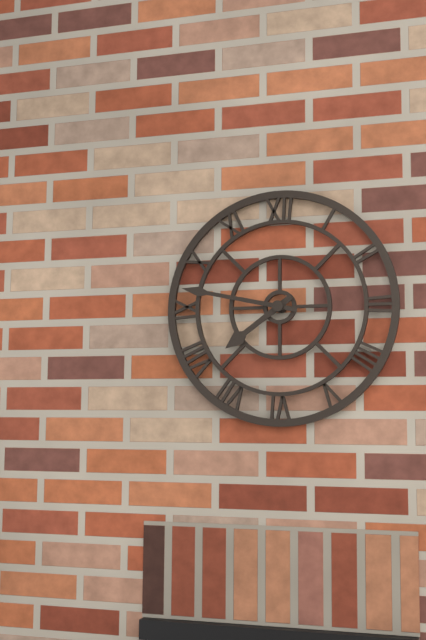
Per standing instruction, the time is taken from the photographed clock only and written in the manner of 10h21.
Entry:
7h47
